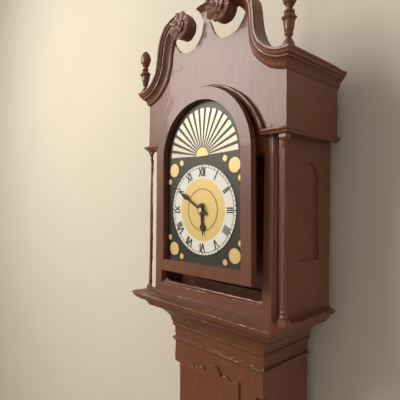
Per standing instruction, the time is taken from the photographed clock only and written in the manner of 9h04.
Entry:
5h50
